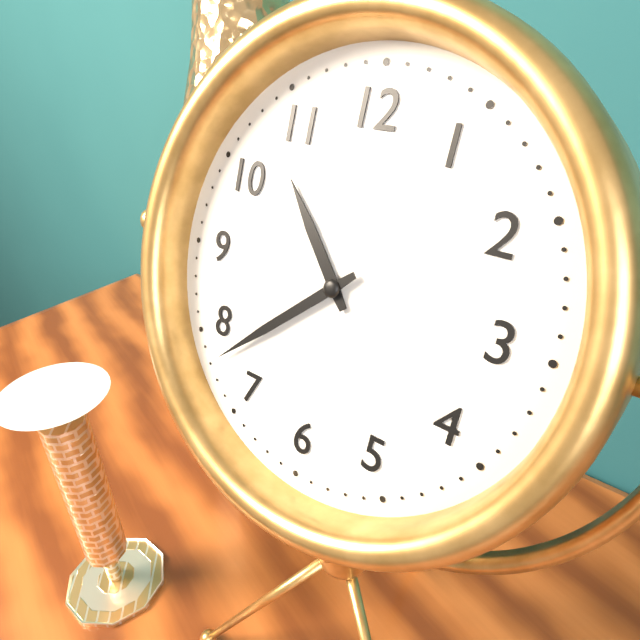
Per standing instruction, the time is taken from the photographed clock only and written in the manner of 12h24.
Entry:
10h38
